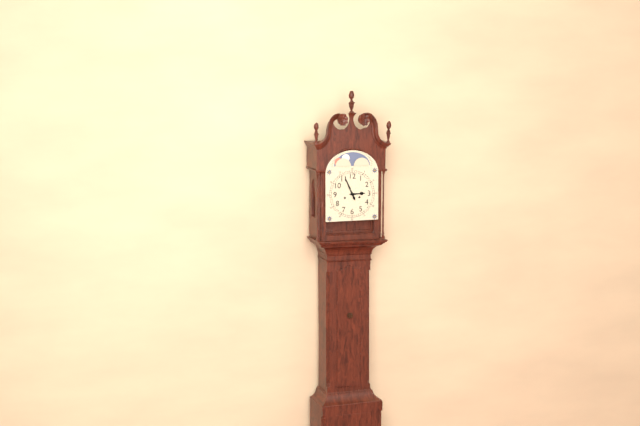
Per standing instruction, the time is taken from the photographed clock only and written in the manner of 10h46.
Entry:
2h56
